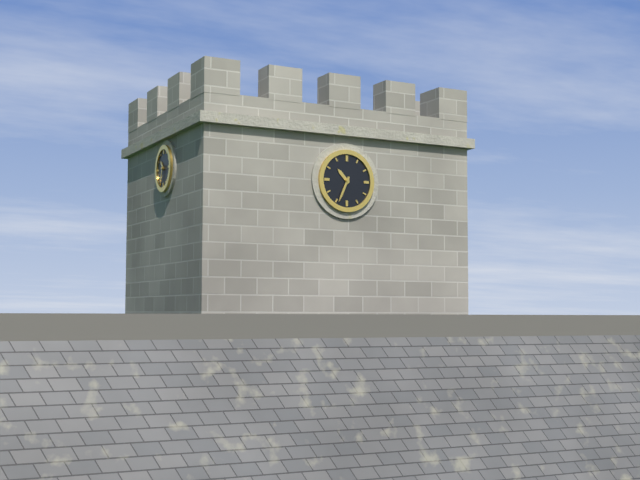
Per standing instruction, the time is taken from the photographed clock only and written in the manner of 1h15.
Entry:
10h34
